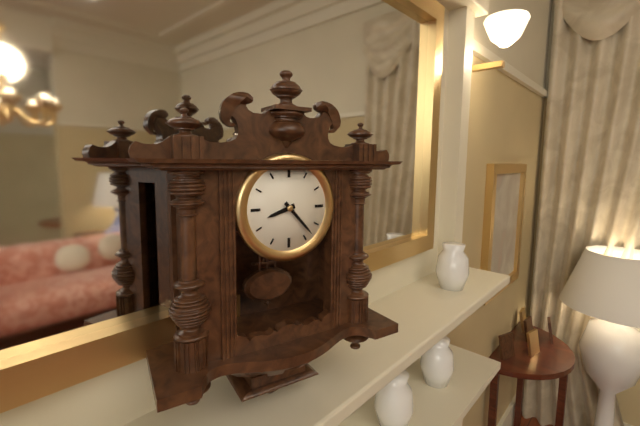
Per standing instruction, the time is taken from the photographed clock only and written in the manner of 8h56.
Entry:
8h23
